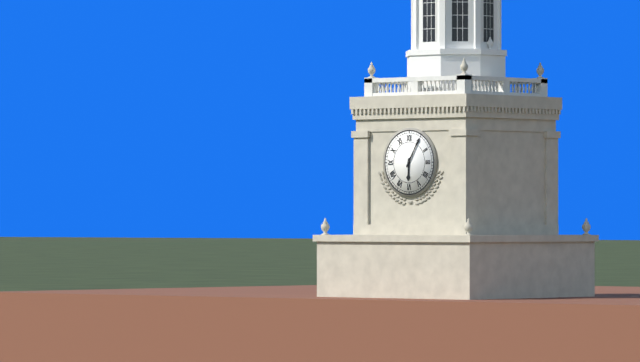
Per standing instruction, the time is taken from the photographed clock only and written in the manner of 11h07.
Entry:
6h05
